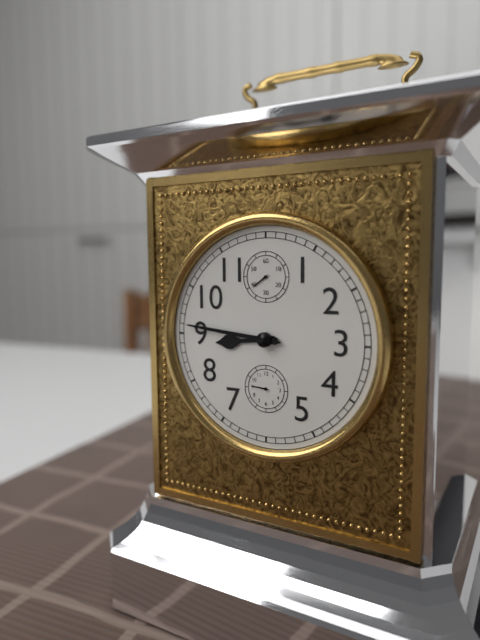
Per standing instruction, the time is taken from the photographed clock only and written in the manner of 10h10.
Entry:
8h46
